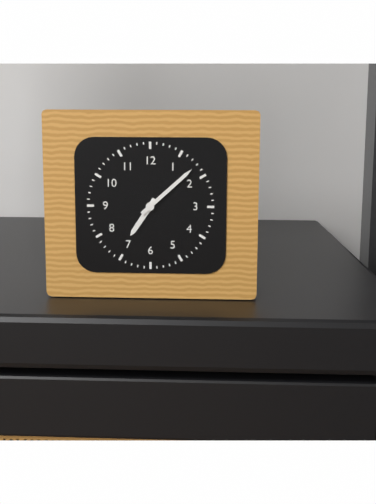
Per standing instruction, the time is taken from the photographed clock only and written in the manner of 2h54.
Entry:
7h08
